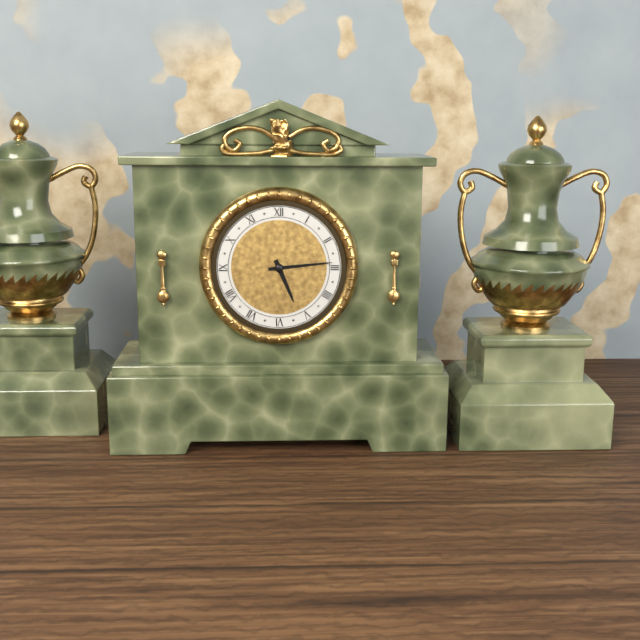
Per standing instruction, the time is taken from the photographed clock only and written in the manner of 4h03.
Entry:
5h14
